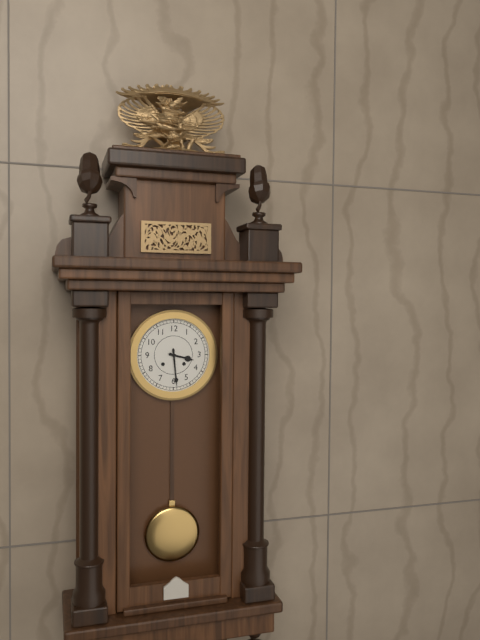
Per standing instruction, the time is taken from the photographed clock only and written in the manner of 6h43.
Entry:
3h29
